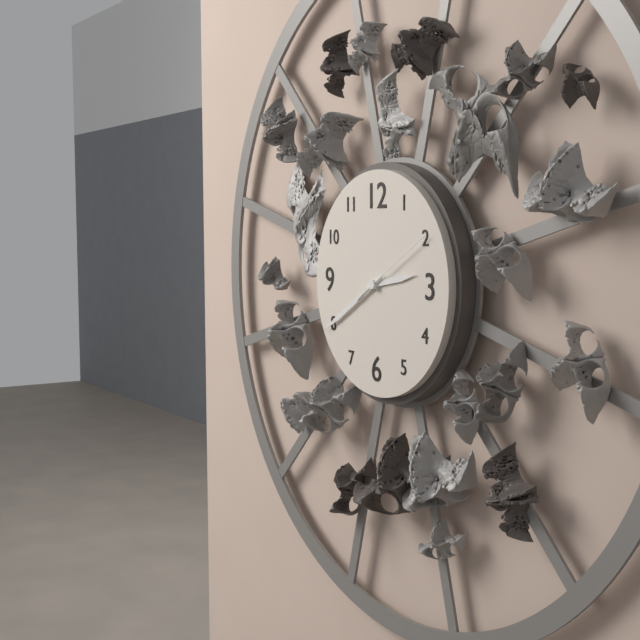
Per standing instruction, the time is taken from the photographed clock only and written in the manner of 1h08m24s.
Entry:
2h40m10s
